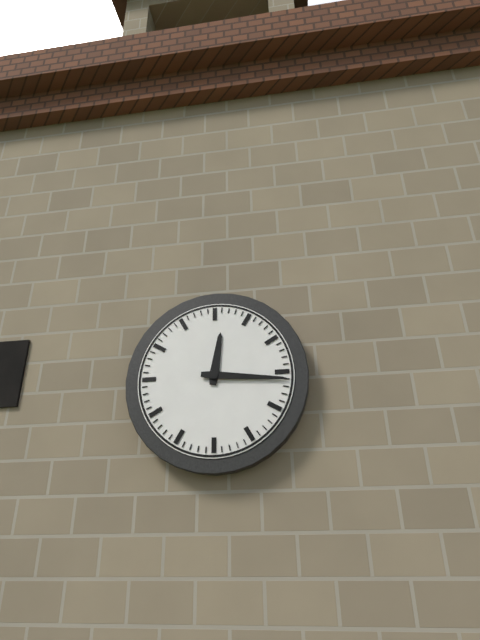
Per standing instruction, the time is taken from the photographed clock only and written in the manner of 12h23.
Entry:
12h16
